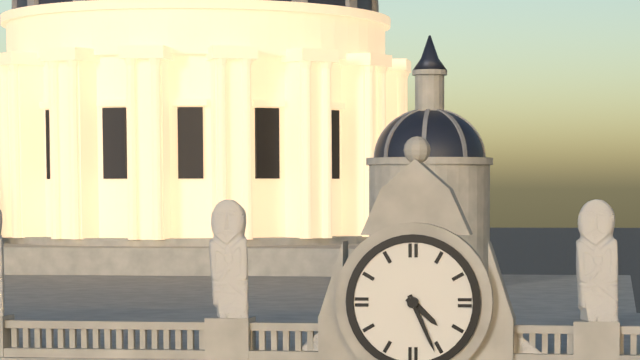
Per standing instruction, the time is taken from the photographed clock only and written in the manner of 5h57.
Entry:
4h26
